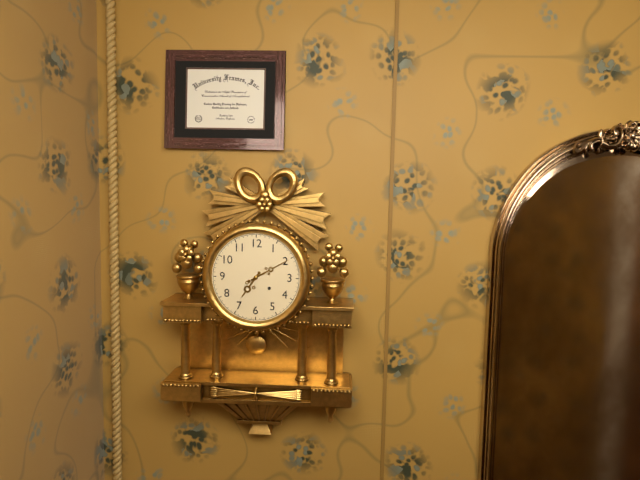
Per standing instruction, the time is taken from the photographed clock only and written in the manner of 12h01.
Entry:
7h10
